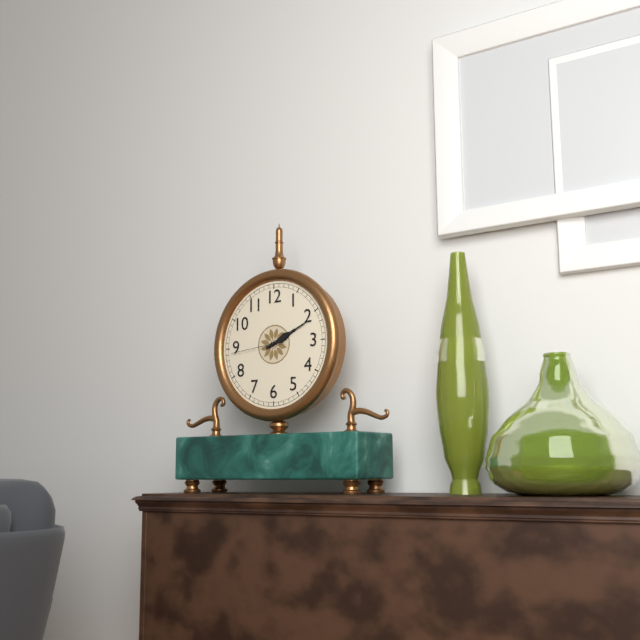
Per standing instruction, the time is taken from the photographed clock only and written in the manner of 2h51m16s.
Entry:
2h11m44s
